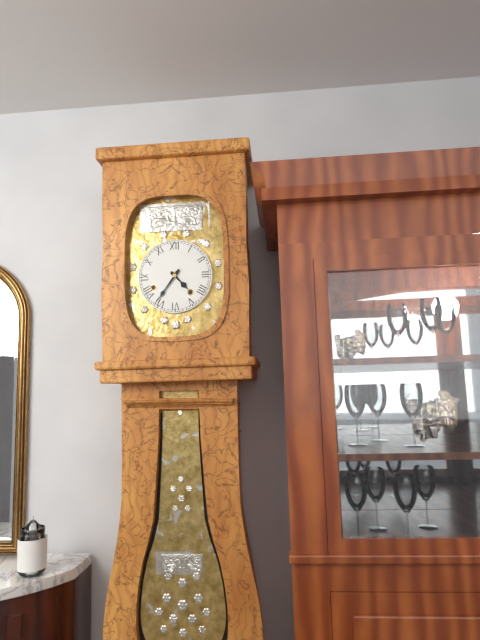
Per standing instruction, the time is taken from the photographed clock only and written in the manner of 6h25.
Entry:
4h36
